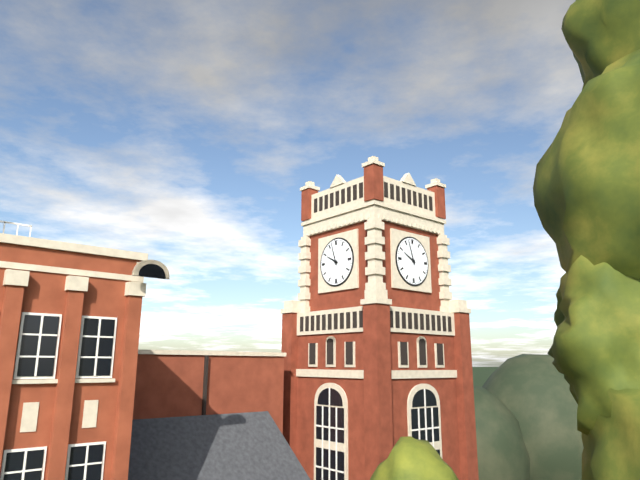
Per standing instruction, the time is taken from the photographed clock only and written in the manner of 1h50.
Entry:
9h57
